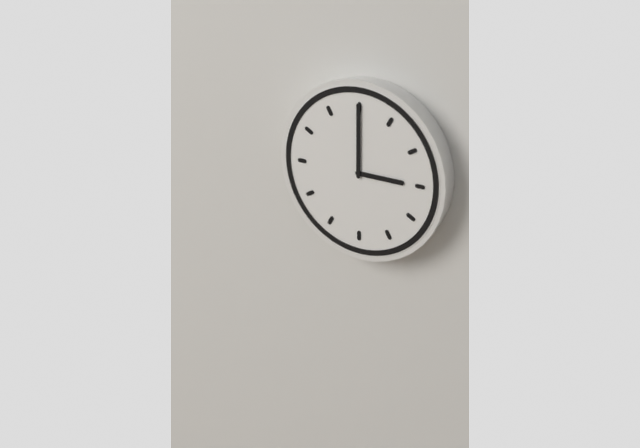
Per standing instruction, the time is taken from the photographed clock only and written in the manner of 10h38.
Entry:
3h00
